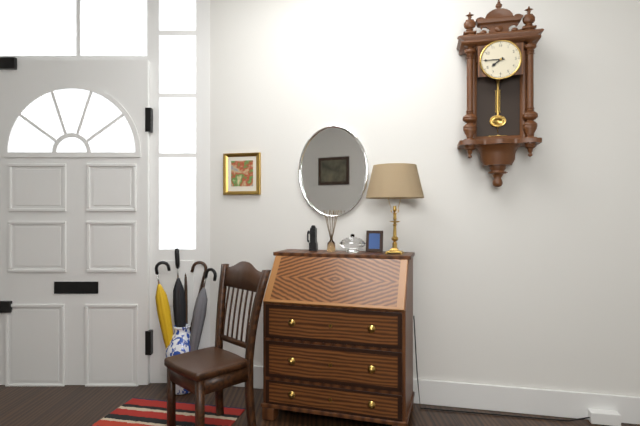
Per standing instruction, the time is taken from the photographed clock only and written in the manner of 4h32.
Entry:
7h45
